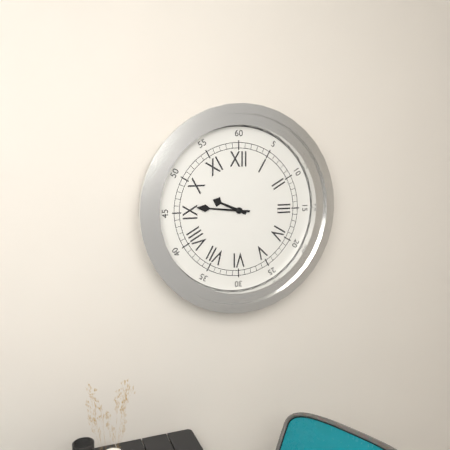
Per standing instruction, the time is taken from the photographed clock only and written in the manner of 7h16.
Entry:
9h46
